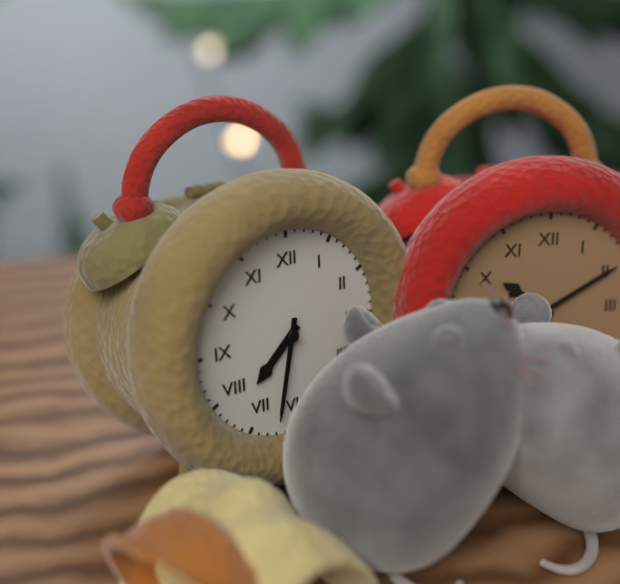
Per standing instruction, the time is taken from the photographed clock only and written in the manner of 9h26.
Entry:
7h32
